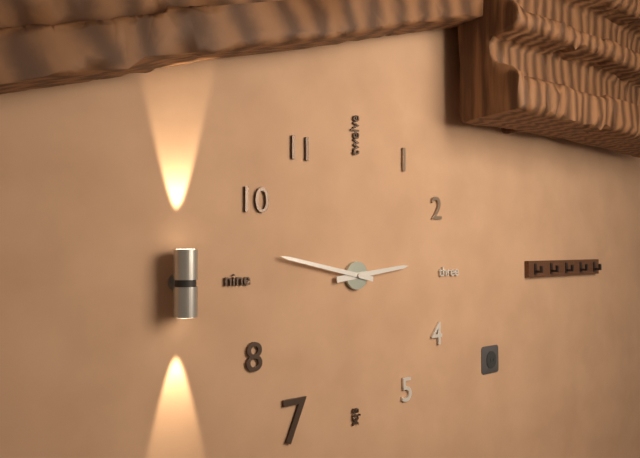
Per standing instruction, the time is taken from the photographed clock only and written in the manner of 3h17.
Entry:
2h47
